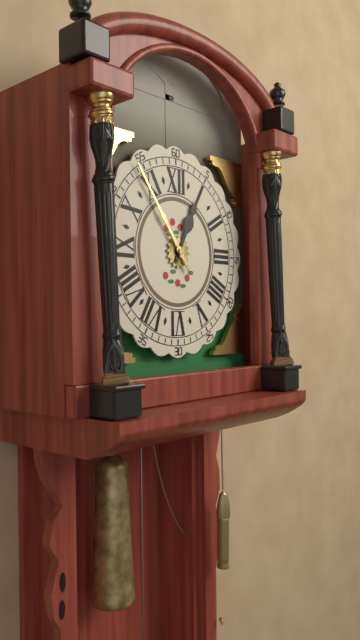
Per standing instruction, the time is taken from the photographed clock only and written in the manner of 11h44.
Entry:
12h54
